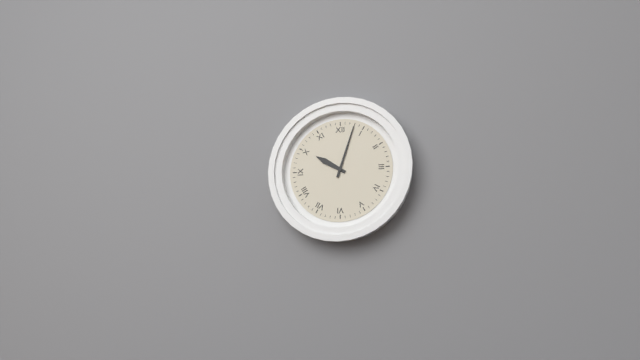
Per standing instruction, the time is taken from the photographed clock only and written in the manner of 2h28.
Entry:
10h03
